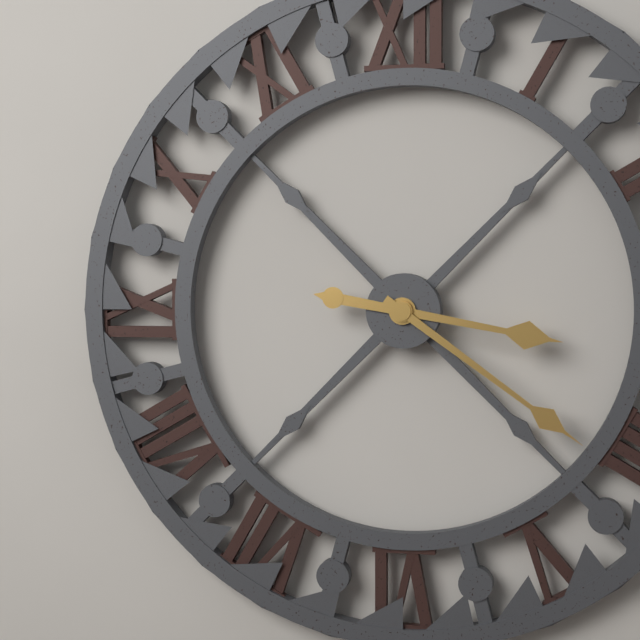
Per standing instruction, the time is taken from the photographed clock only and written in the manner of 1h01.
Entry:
3h21
